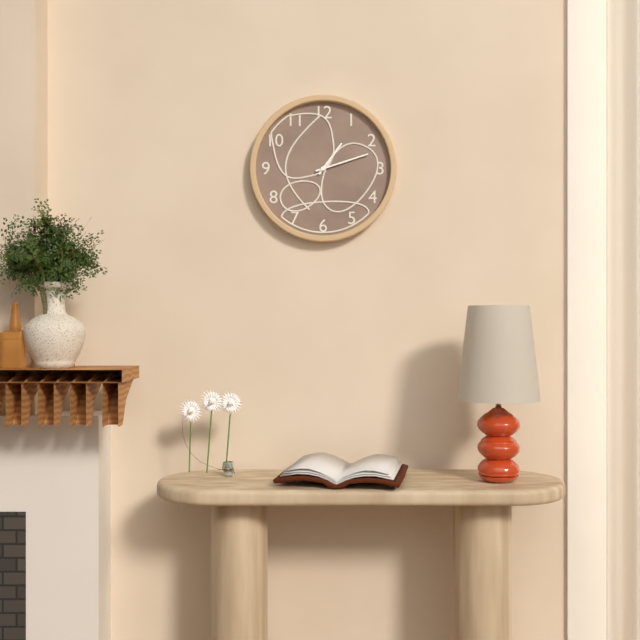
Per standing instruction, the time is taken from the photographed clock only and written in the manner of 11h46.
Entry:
1h12
